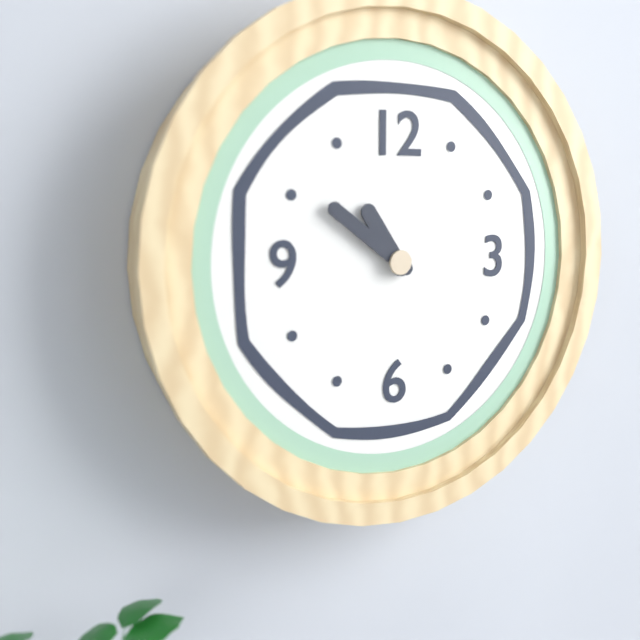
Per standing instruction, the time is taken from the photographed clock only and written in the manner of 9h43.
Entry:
10h51
